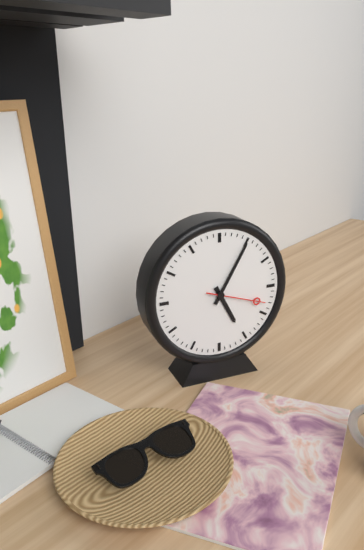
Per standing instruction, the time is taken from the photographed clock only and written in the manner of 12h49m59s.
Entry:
5h05m18s
